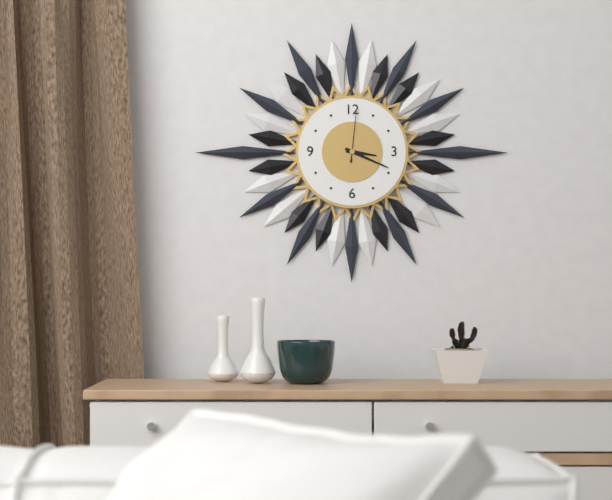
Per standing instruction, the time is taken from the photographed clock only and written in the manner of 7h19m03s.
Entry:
3h19m01s
